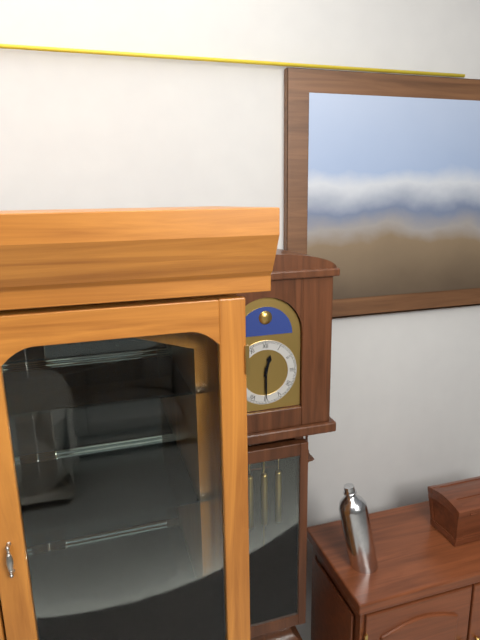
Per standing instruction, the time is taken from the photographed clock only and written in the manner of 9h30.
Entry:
12h30
